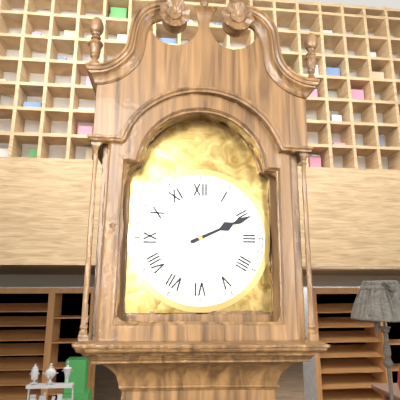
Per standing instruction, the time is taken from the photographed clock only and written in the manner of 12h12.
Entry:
2h11
